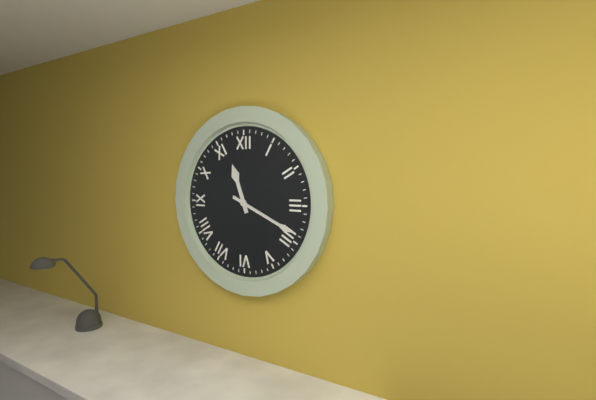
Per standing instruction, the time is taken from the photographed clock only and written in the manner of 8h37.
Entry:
11h19
